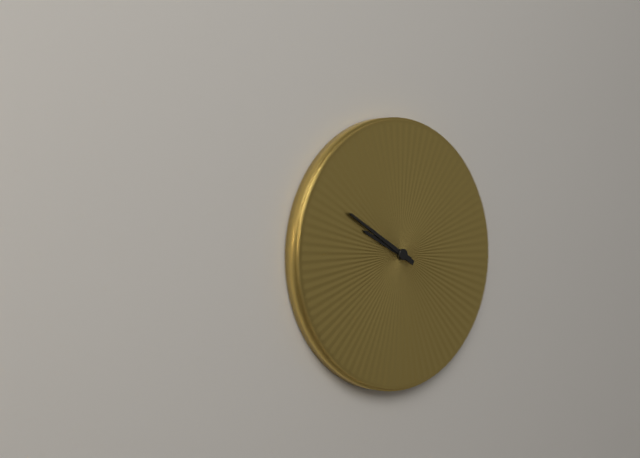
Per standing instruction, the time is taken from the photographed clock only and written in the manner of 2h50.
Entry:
9h50
